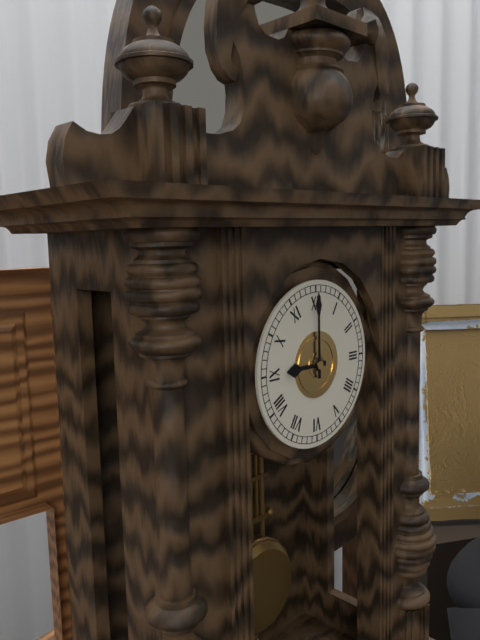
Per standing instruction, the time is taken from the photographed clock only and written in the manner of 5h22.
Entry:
9h00
